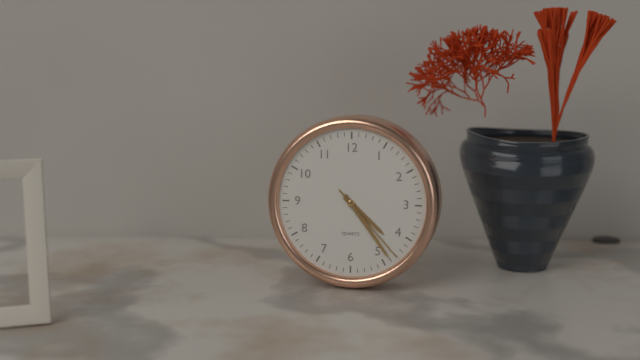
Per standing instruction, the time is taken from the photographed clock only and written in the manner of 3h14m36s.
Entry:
4h24m23s
